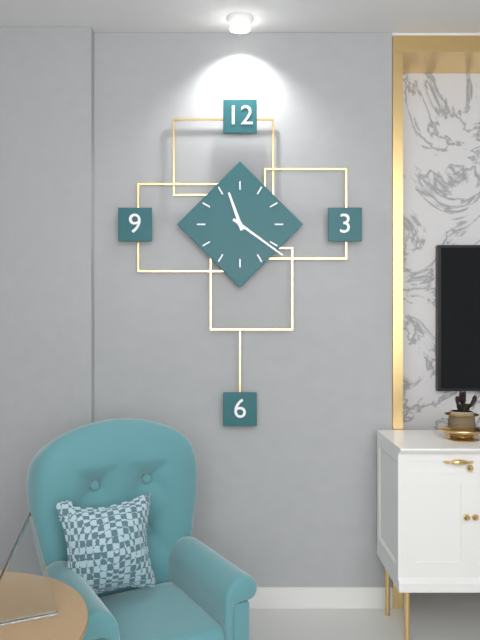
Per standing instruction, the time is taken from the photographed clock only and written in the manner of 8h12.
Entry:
11h21
